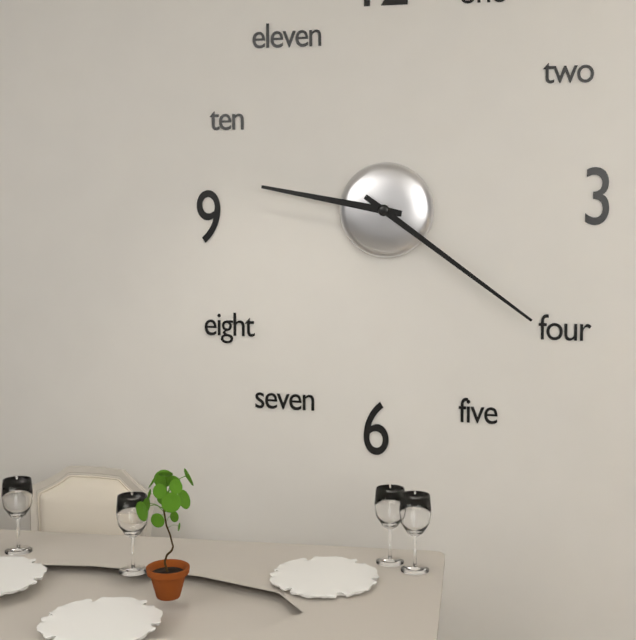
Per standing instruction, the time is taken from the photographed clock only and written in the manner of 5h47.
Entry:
9h21
